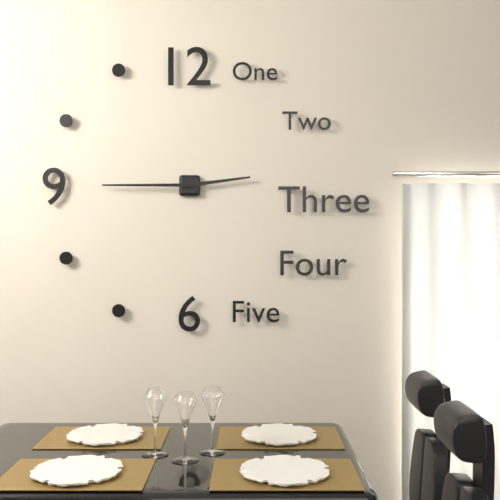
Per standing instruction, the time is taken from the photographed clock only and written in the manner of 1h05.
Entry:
2h45
